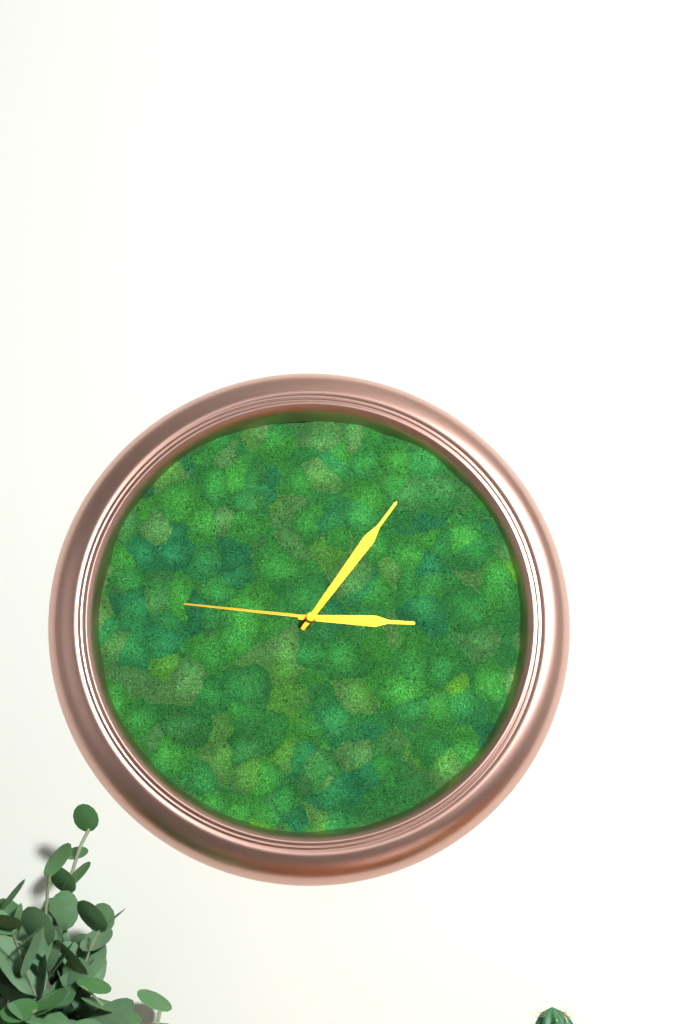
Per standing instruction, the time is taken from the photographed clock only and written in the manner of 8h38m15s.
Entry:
3h06m46s
